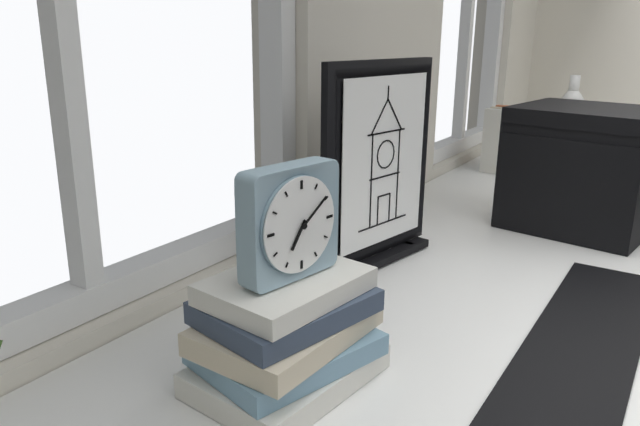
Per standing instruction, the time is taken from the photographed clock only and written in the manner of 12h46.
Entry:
7h09
